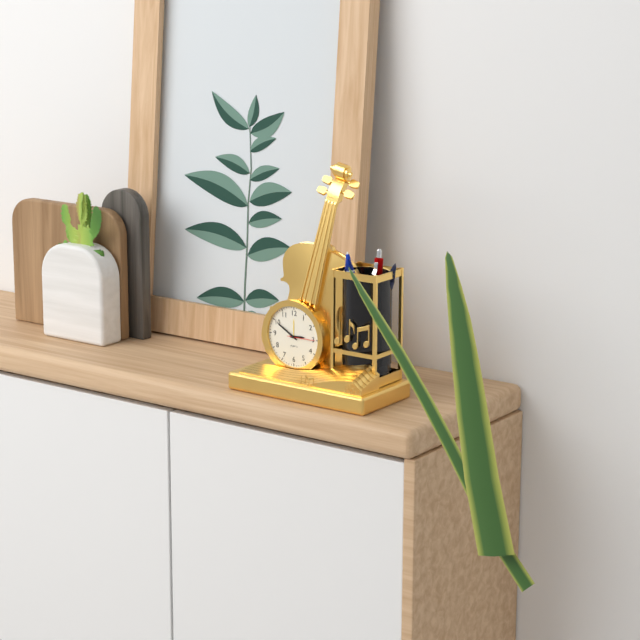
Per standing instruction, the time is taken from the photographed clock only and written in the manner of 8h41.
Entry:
2h50
